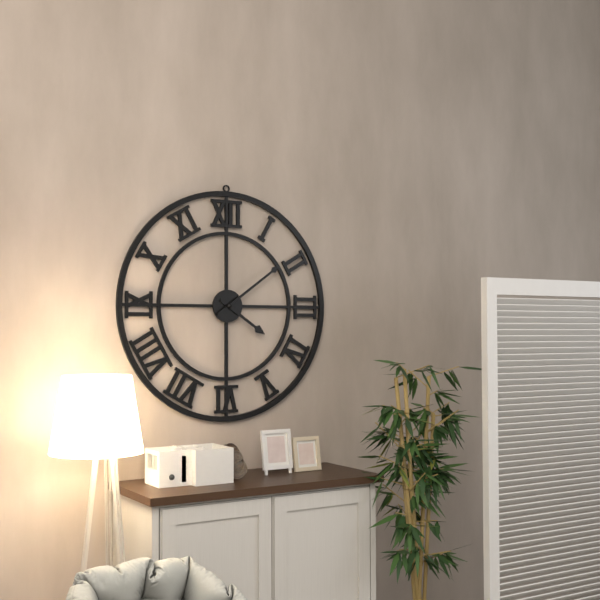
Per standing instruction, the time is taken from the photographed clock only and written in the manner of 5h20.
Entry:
4h09
